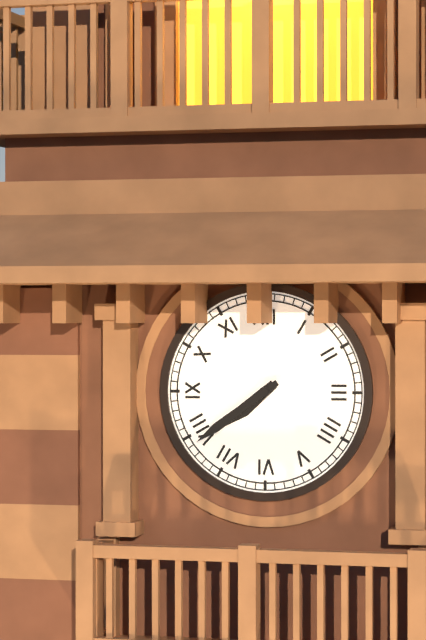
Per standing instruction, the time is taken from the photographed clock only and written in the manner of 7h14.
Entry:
7h39
